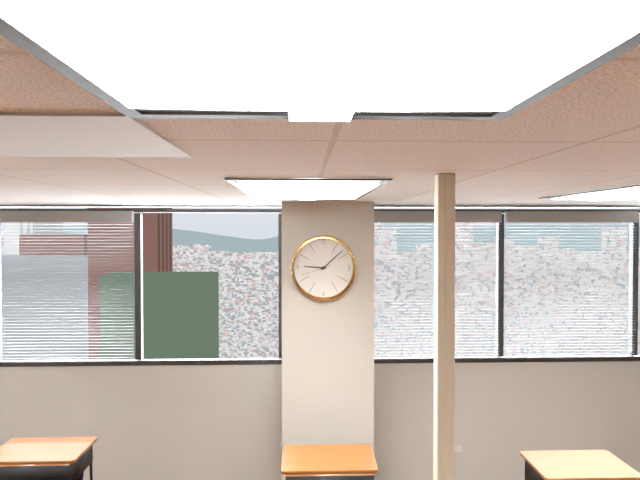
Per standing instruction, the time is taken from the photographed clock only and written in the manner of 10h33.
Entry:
9h08
